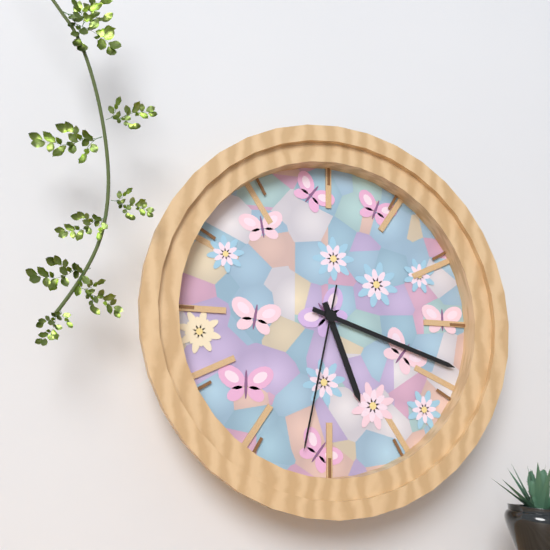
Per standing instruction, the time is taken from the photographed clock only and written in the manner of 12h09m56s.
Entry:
5h18m32s
